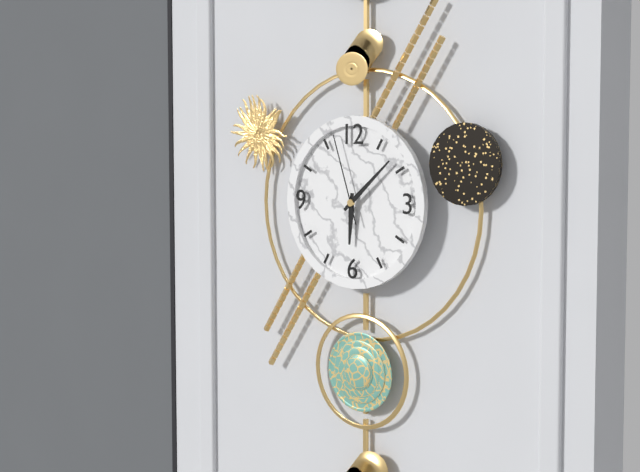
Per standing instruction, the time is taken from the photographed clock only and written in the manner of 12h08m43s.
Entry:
6h08m57s
